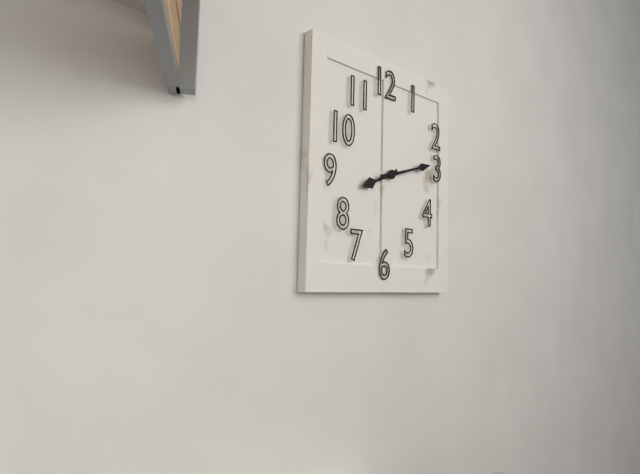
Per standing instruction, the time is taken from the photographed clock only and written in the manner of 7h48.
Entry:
8h12
